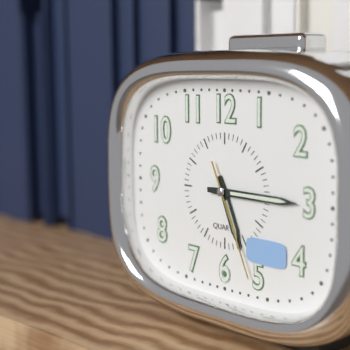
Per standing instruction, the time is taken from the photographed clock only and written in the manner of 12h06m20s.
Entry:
5h15m26s
